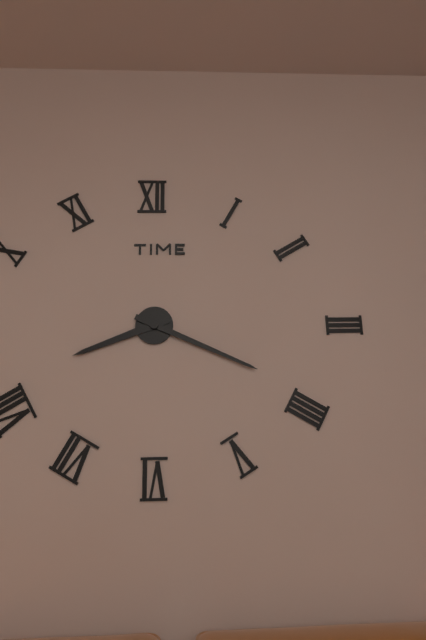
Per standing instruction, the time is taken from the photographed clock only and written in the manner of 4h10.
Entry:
8h19
